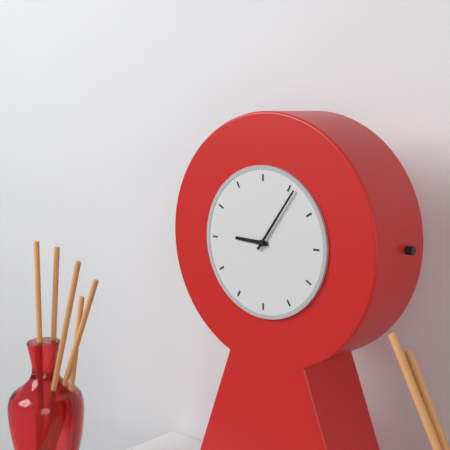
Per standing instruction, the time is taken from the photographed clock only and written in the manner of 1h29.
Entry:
9h06
